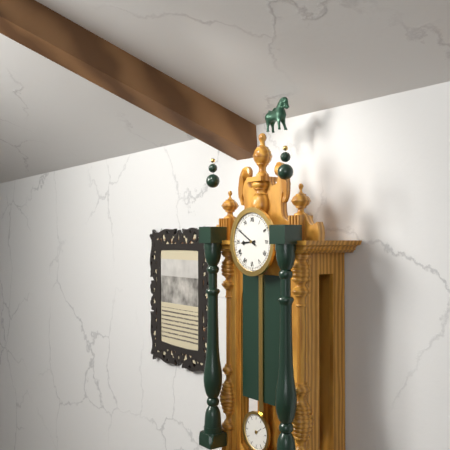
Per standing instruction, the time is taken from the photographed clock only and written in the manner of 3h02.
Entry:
8h50
